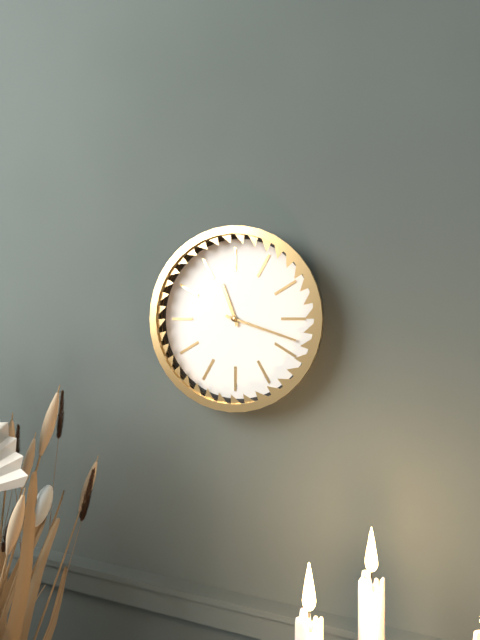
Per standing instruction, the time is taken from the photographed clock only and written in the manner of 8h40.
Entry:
11h18
